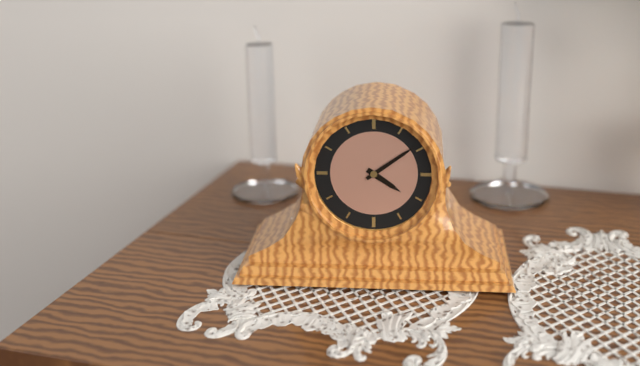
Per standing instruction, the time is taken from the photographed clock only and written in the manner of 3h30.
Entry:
4h09
